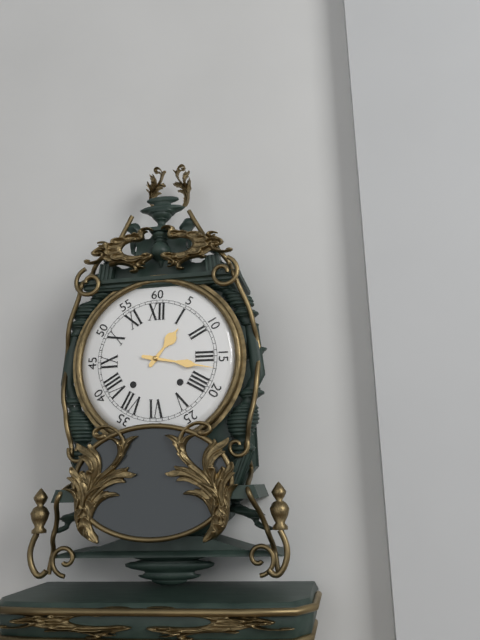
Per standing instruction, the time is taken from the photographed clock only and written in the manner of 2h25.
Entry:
1h17
